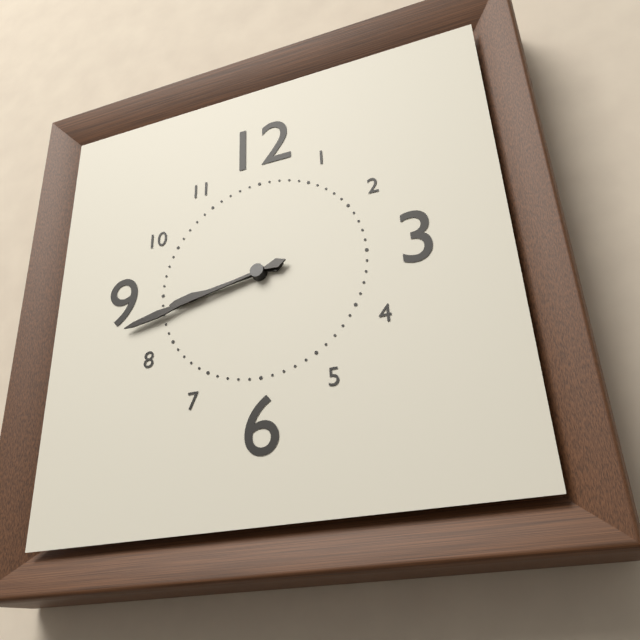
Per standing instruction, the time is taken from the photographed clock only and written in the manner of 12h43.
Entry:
8h43
